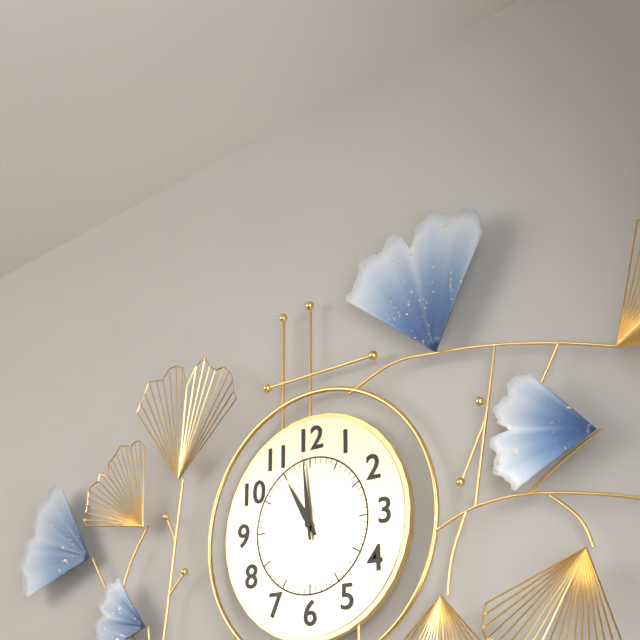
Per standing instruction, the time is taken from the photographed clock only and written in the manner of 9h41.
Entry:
10h59
